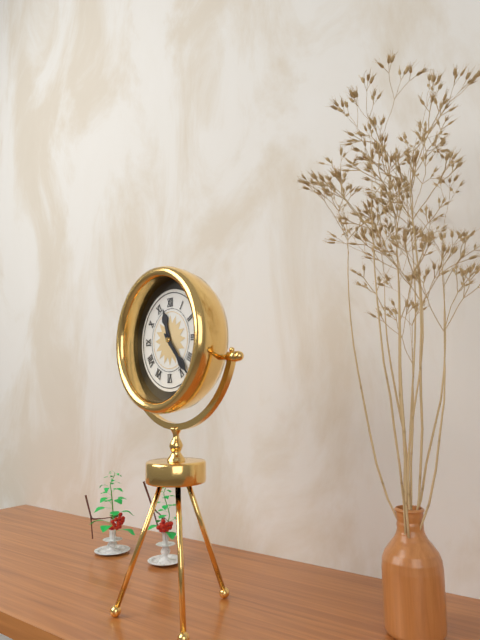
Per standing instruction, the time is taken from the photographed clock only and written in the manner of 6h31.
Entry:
11h23
